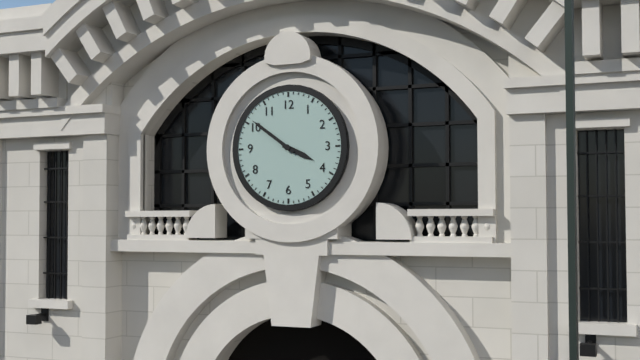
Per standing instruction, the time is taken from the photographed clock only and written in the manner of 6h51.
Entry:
3h51
